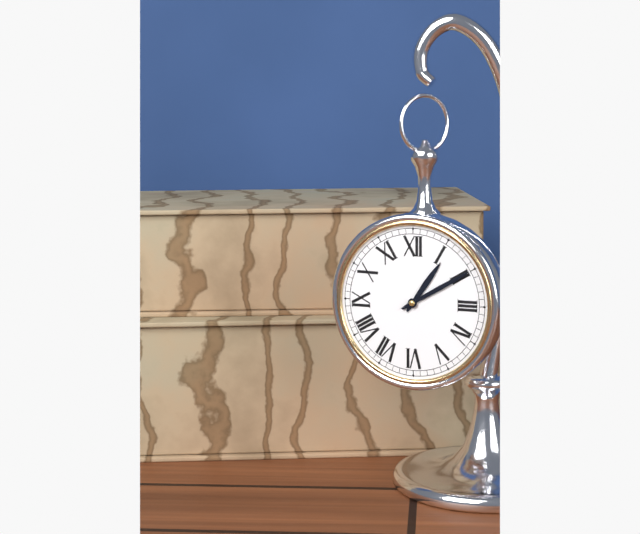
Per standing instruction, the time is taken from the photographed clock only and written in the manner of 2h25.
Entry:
1h10
